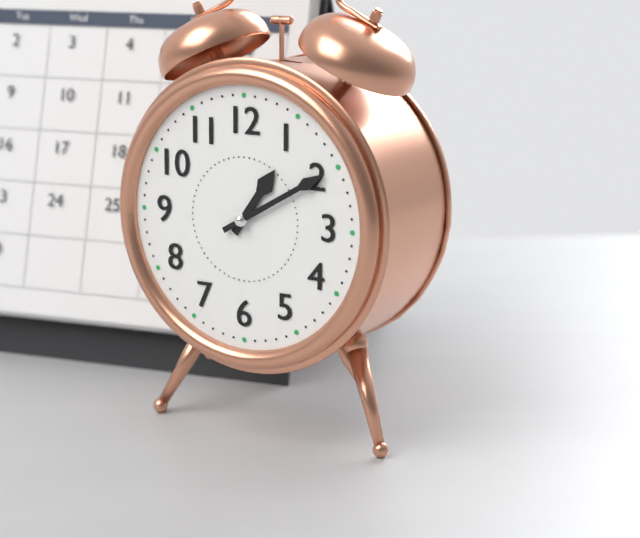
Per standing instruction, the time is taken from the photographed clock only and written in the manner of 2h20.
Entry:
1h10
